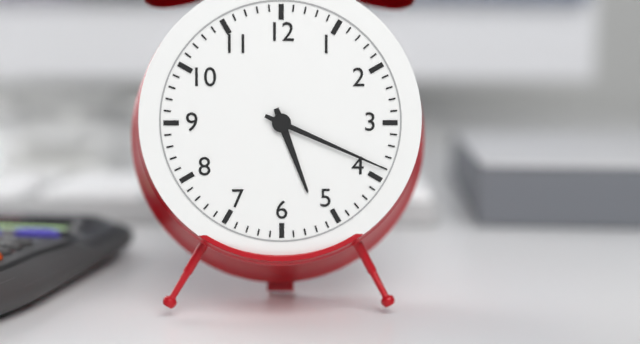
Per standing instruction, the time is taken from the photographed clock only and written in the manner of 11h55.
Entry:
5h19
